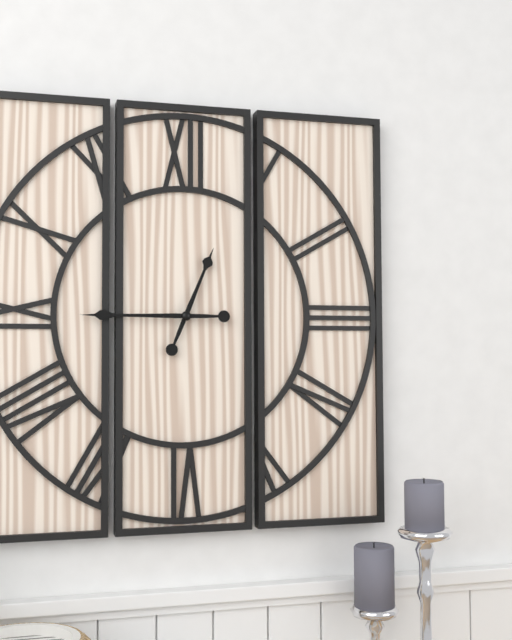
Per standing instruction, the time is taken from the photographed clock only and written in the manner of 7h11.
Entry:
12h45
